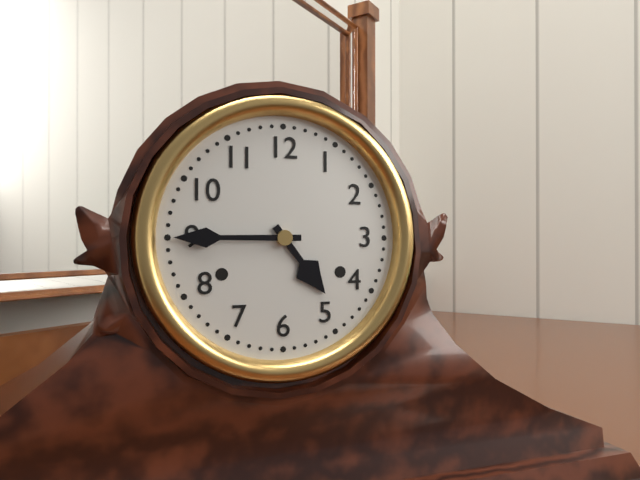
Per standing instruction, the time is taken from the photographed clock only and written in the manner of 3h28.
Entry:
4h45
